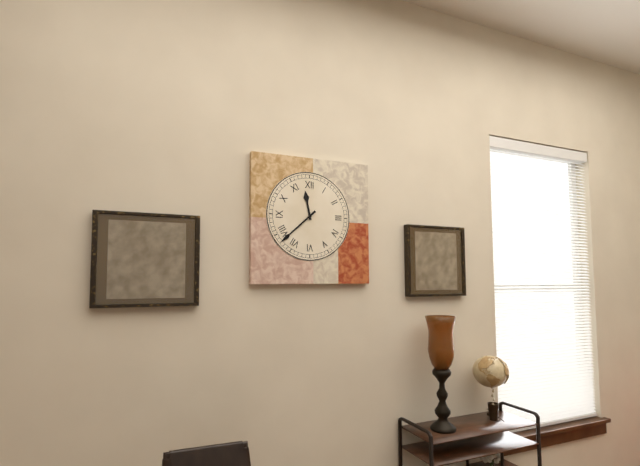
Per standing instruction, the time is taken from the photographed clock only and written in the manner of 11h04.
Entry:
11h38
